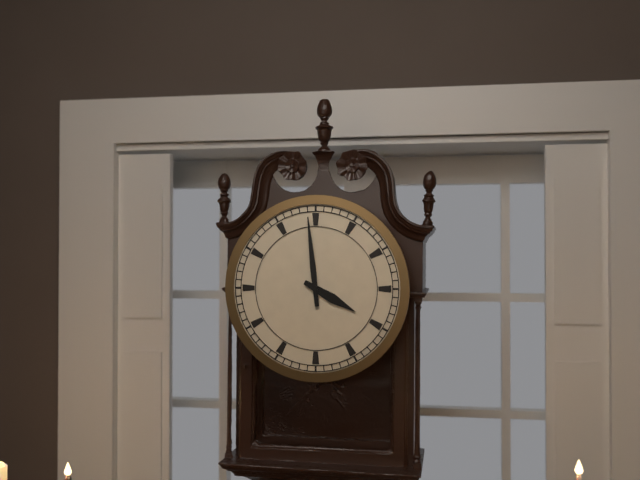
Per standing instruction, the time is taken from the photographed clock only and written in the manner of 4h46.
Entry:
3h59
